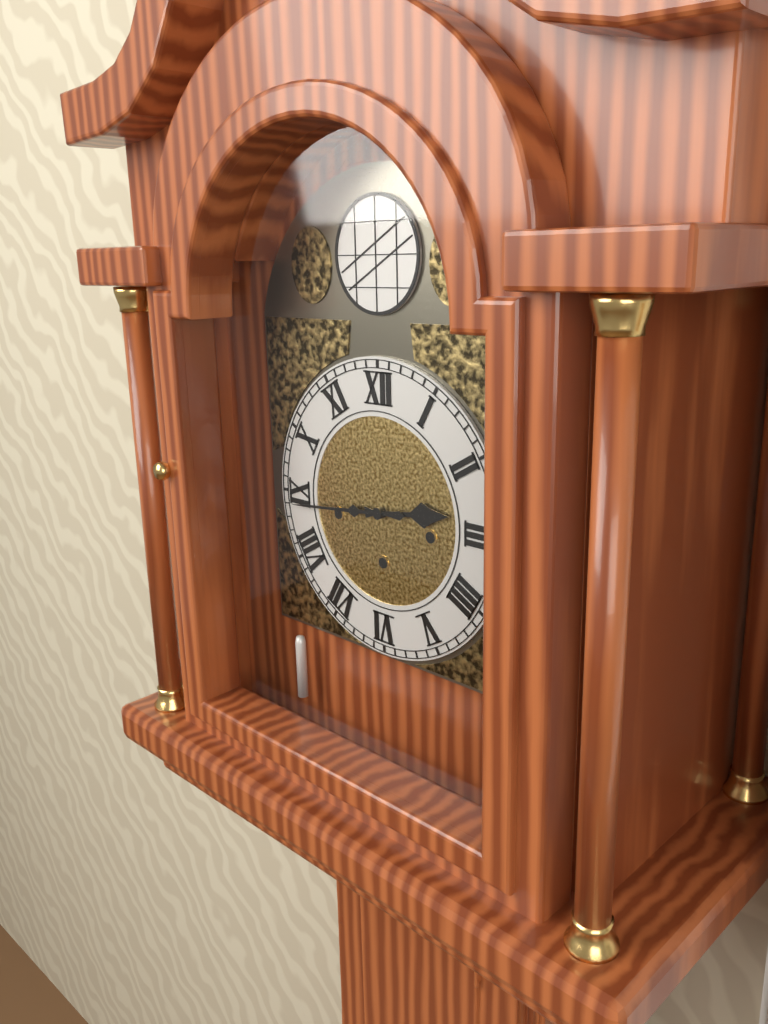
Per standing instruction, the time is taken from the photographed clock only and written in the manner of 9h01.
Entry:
2h44
